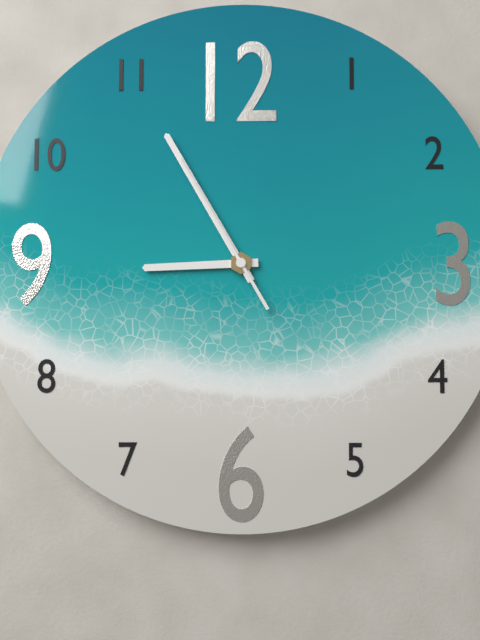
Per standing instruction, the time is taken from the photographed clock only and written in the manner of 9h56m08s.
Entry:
8h55m55s
